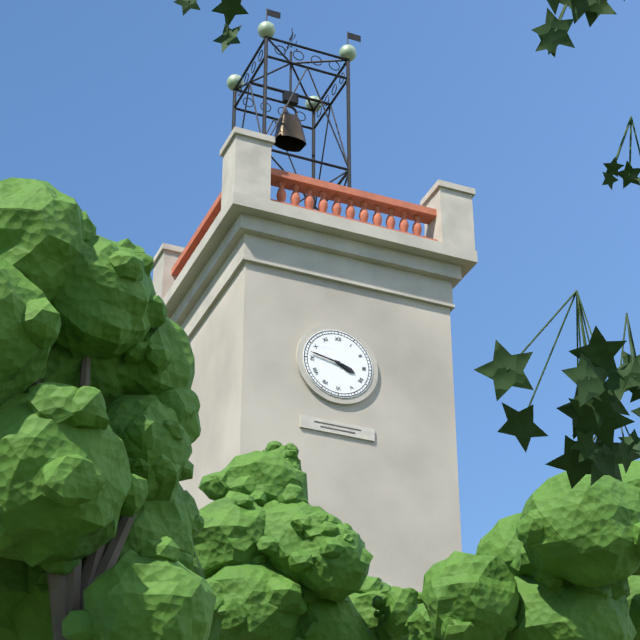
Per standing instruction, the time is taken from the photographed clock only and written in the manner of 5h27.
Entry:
3h47
